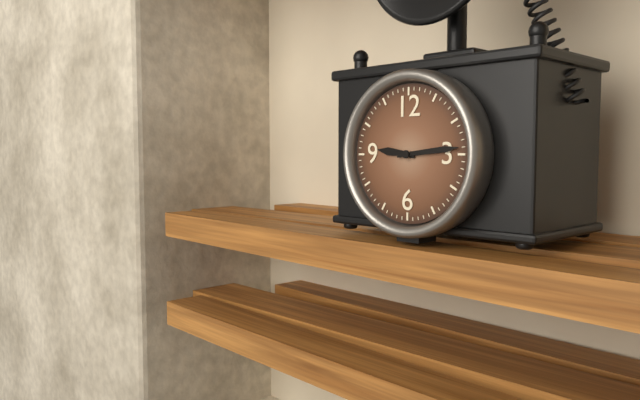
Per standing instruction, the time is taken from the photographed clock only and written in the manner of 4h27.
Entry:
9h14
